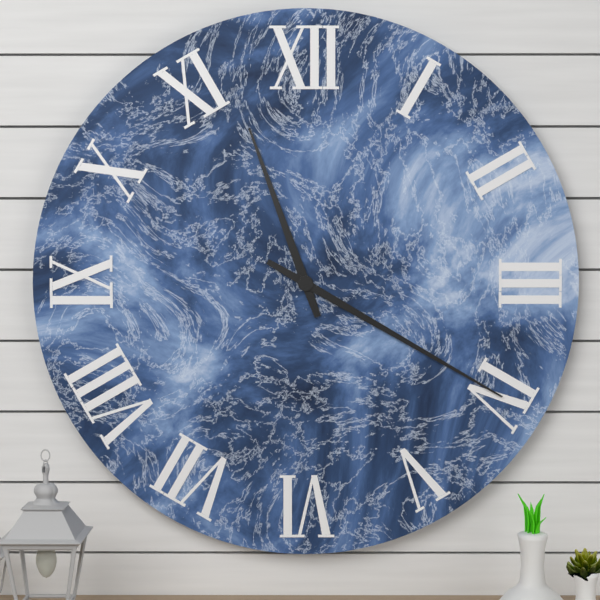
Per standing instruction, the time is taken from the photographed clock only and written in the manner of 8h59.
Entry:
11h20
